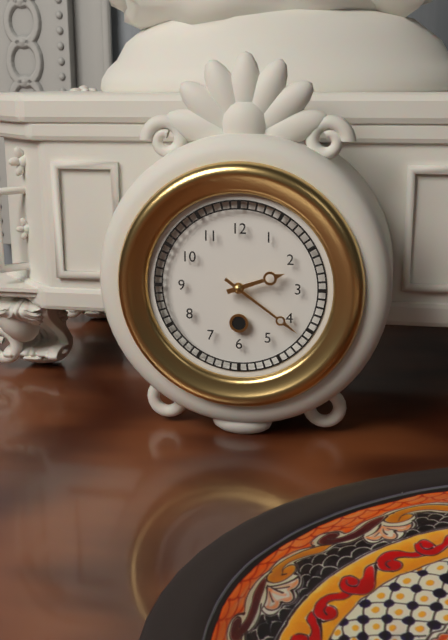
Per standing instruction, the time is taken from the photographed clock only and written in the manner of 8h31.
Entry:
2h21
